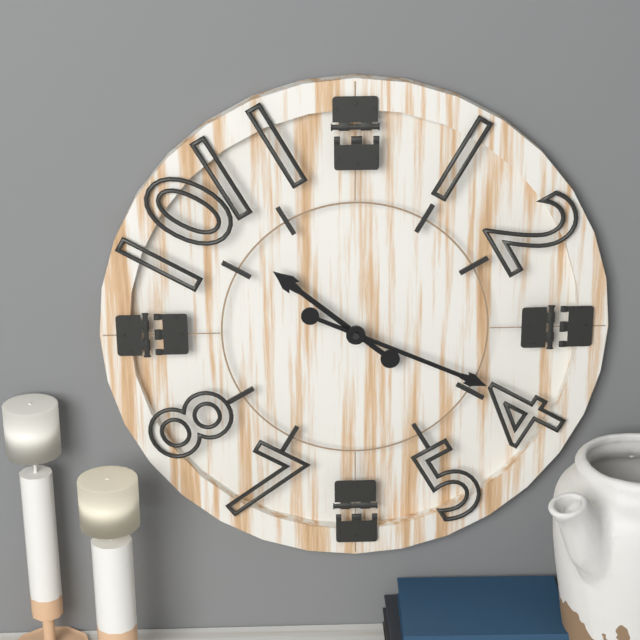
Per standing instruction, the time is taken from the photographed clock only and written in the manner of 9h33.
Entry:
10h19
